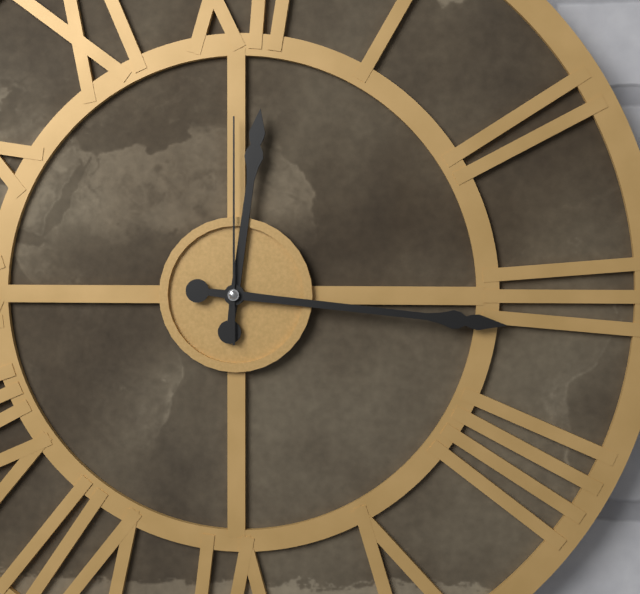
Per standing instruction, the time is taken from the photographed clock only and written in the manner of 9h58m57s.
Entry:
12h16m00s
